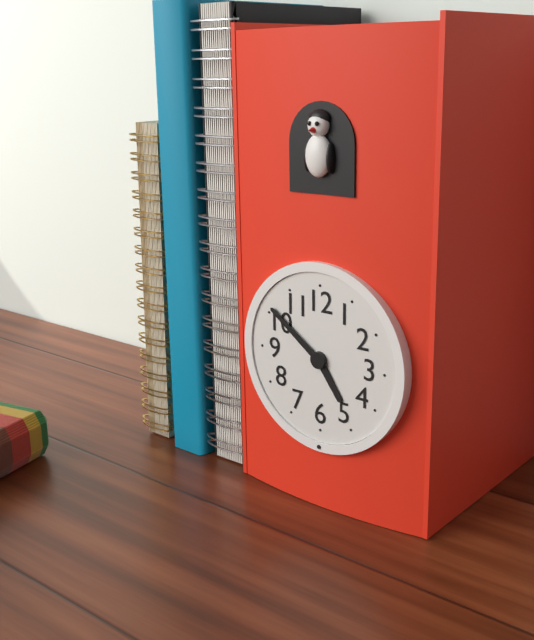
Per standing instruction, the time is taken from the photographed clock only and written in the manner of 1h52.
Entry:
4h51
